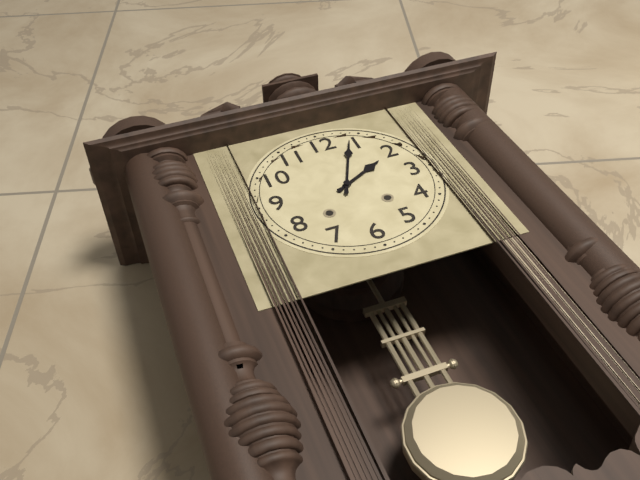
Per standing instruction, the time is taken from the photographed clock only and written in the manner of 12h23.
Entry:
2h04
